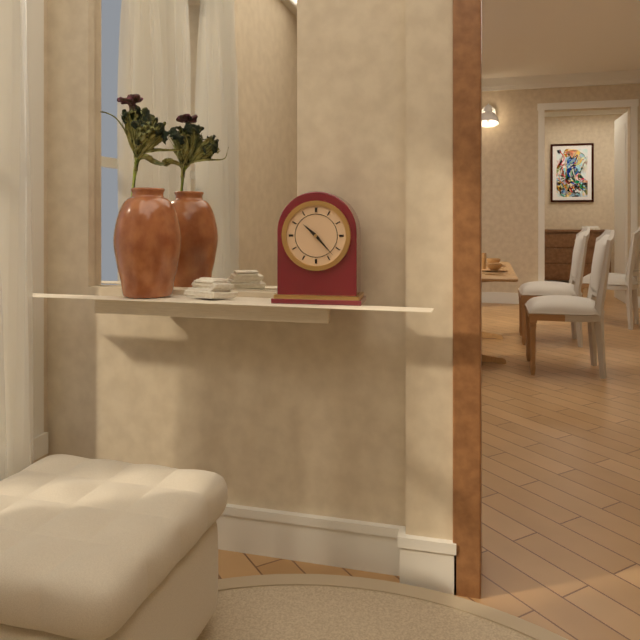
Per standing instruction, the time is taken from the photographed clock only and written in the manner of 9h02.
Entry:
10h23
